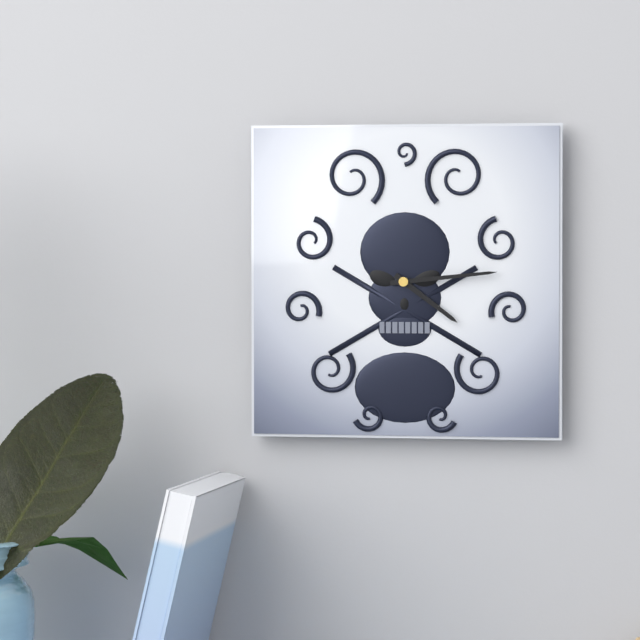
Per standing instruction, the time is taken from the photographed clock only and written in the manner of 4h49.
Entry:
4h14
